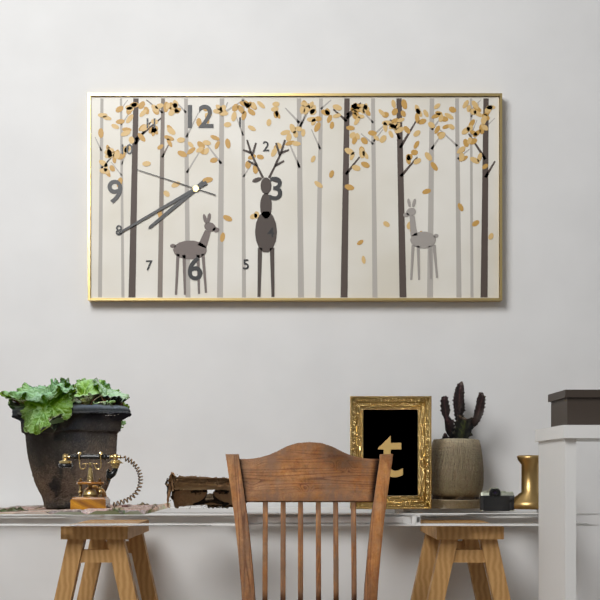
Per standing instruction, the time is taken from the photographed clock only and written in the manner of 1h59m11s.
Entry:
7h40m48s
